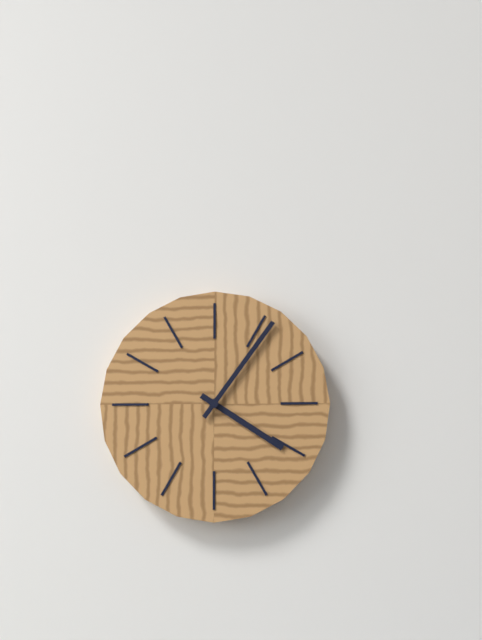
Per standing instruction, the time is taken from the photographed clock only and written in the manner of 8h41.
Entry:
4h06
